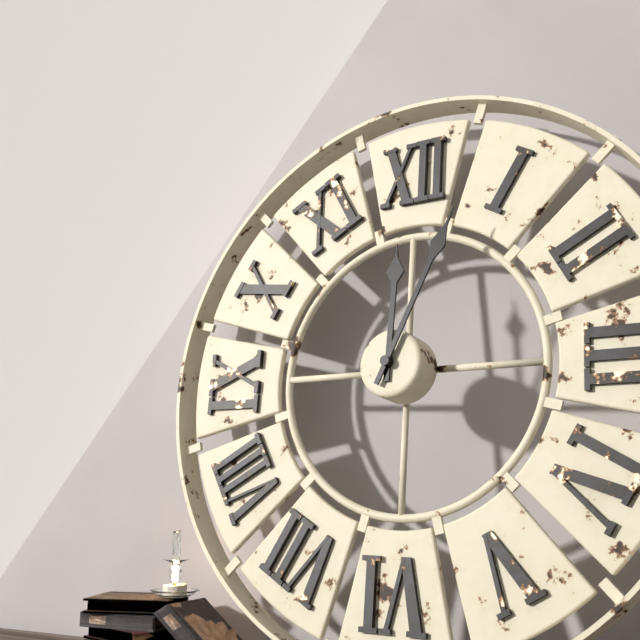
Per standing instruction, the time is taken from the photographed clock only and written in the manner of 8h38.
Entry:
12h04
